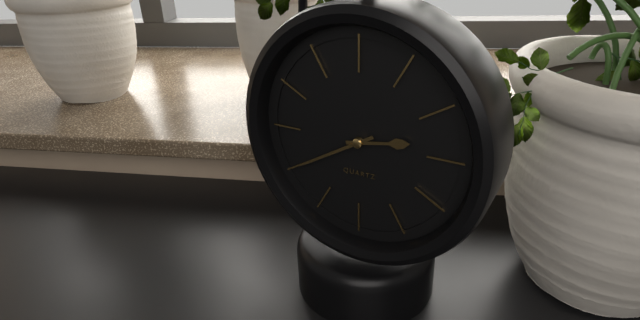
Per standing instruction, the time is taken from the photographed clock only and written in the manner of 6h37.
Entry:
2h40
